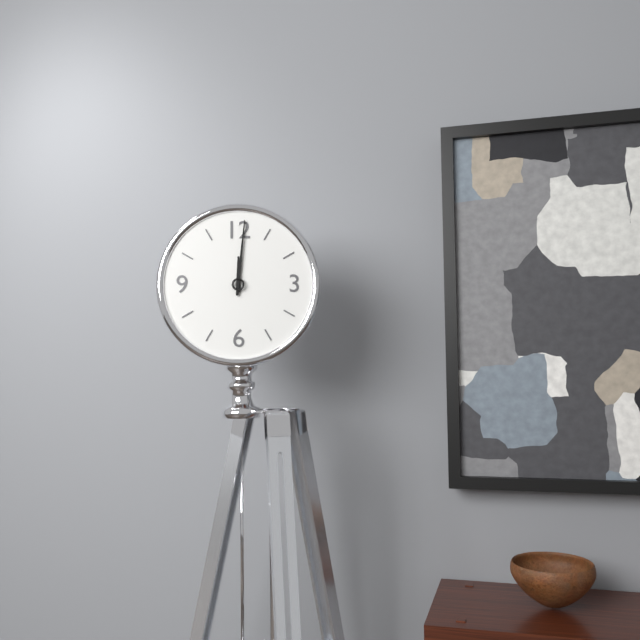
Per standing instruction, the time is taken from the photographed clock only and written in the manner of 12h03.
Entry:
12h01
